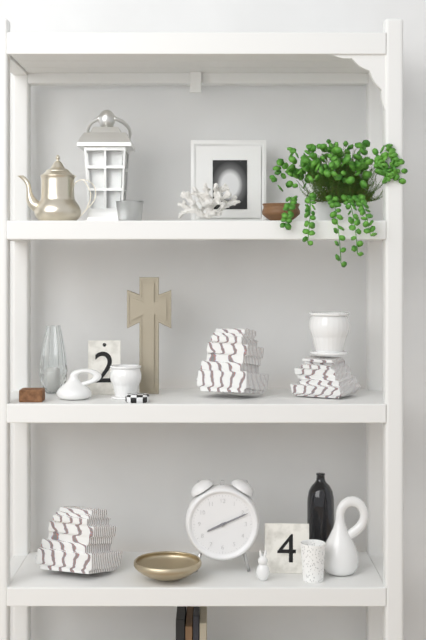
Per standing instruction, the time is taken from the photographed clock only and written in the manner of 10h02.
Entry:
8h11
